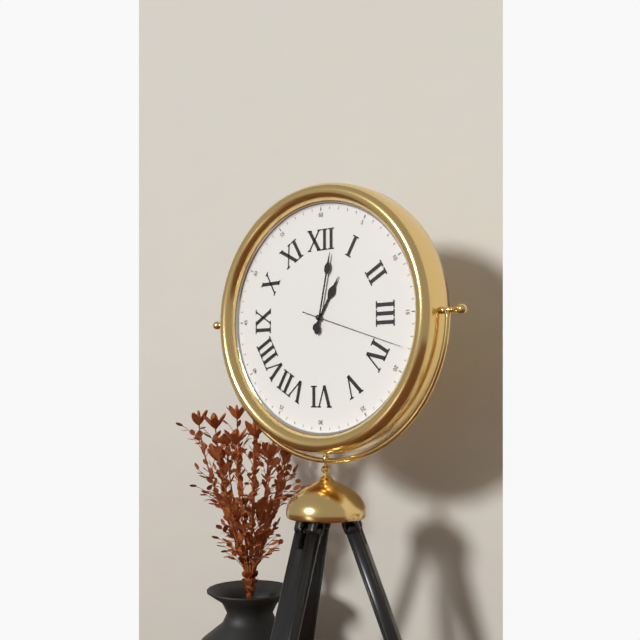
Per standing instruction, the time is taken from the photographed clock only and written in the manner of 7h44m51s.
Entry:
1h02m18s
